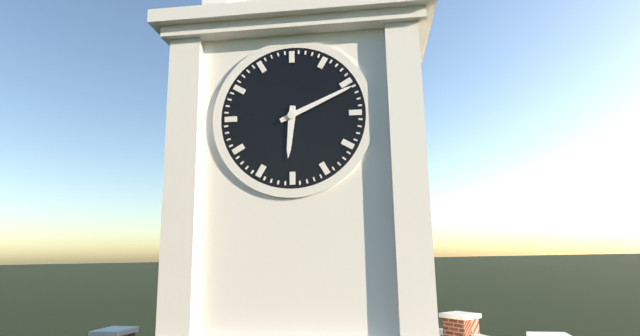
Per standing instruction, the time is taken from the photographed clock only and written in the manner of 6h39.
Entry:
6h11
